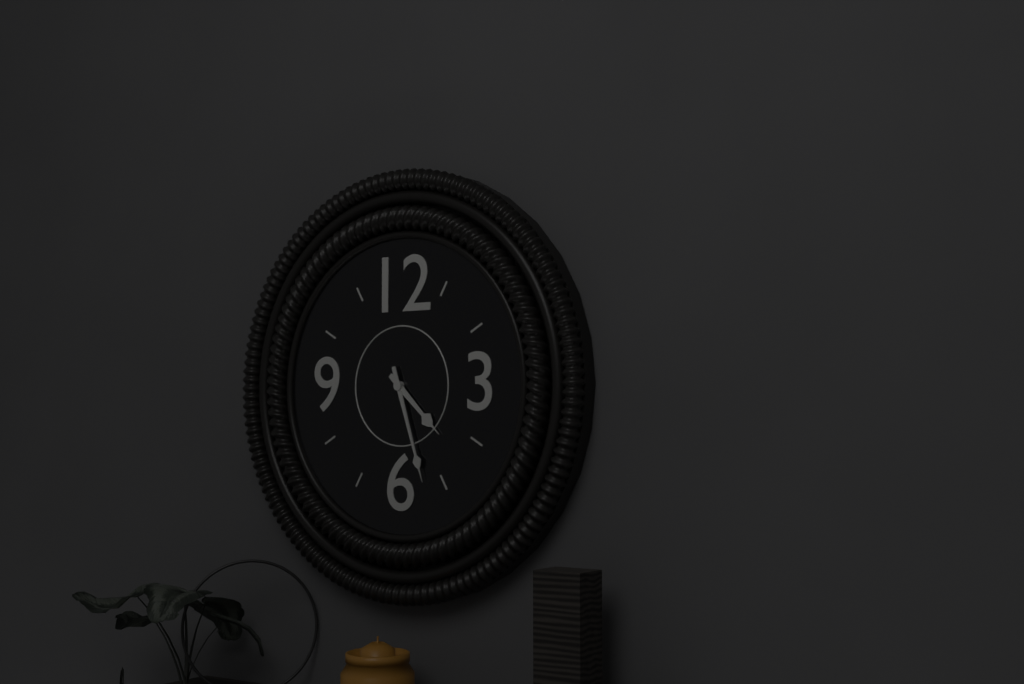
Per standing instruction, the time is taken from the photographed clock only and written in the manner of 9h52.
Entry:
4h27
